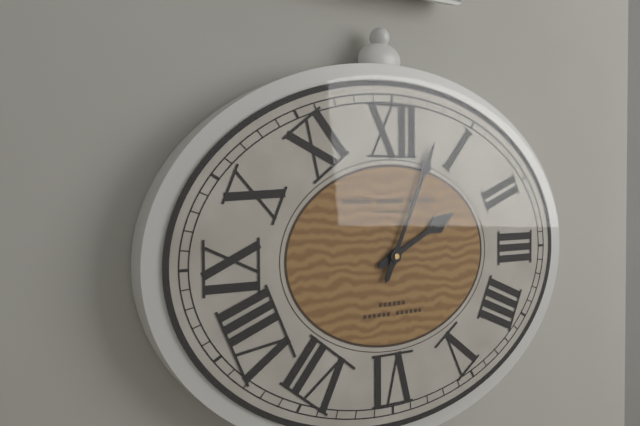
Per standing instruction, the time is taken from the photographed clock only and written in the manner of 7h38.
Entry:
2h04
